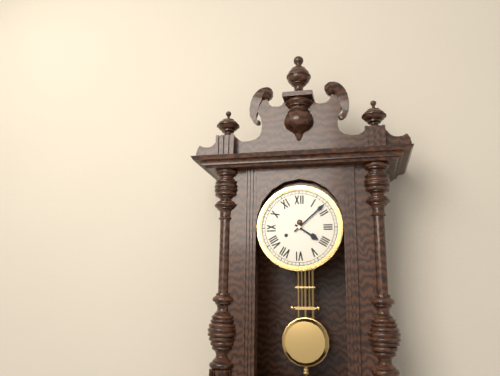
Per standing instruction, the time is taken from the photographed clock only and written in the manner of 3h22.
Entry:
4h08
